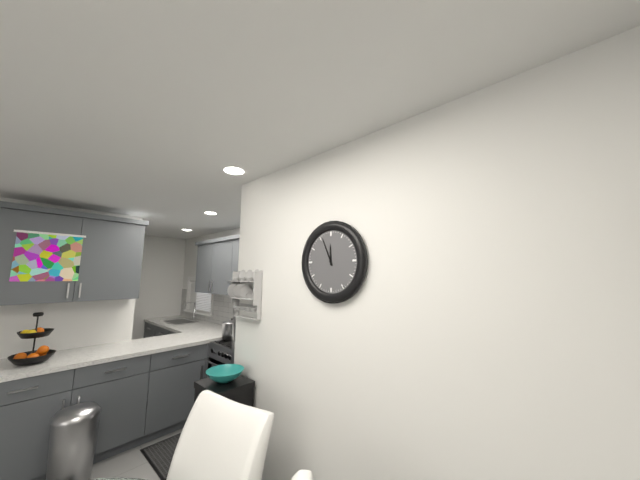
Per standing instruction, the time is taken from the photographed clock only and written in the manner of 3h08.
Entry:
11h56
